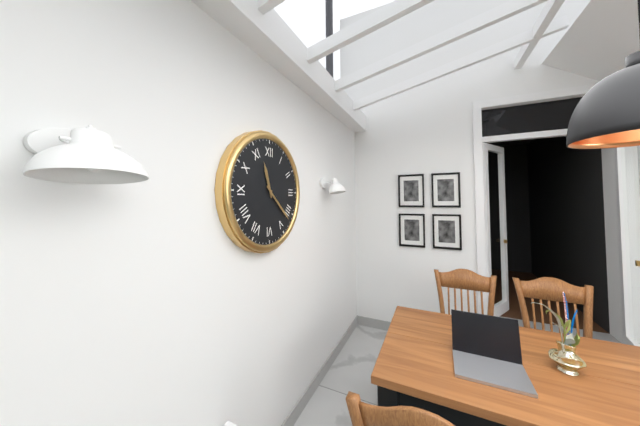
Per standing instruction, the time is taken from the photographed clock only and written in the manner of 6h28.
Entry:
11h22
